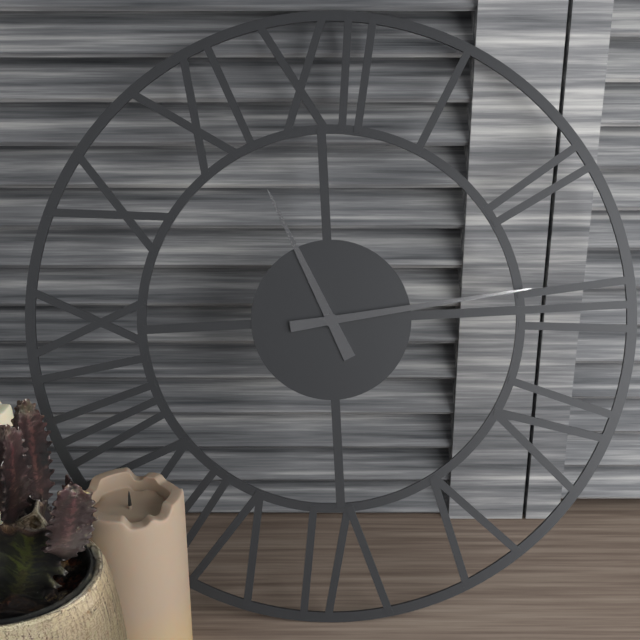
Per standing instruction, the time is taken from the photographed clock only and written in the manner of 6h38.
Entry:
11h14
